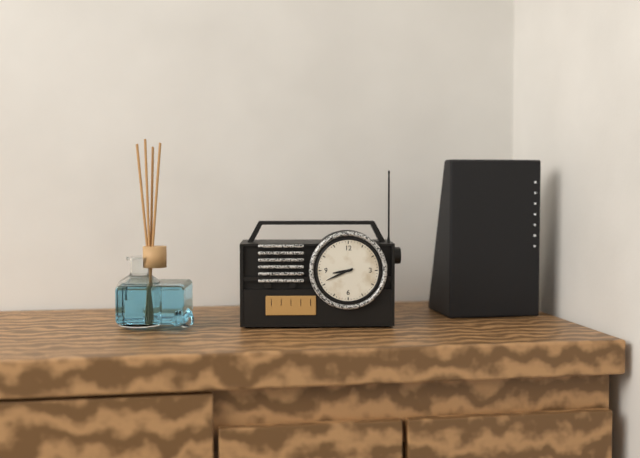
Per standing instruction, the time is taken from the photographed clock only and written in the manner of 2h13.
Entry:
8h41
